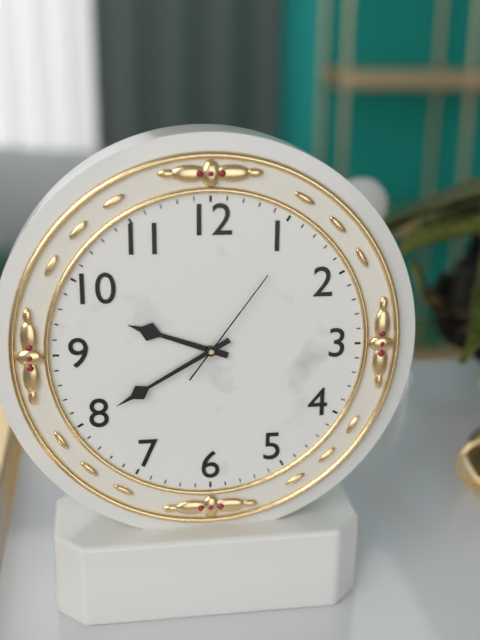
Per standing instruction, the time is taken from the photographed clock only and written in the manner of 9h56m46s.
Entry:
9h40m06s
